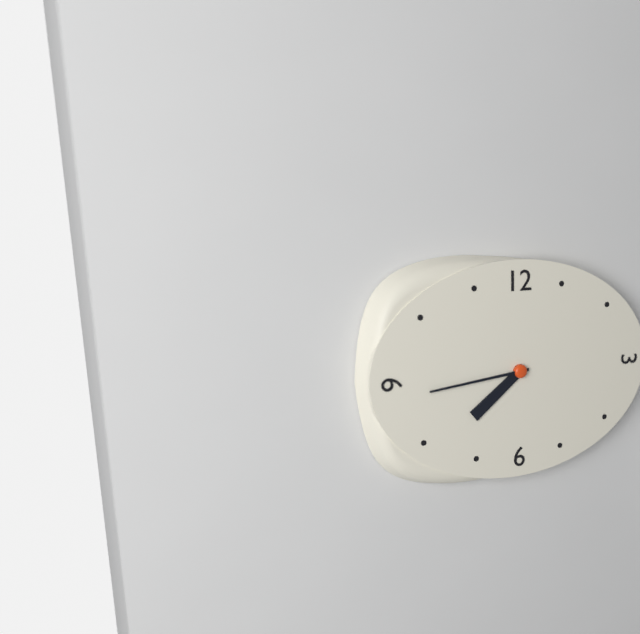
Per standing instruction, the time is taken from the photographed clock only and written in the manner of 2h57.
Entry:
7h44
